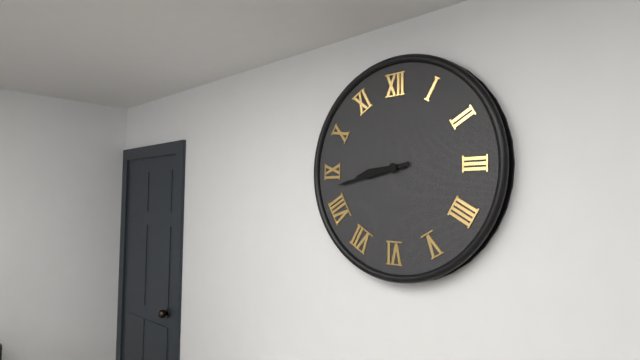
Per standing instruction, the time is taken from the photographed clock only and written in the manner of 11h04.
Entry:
8h43
